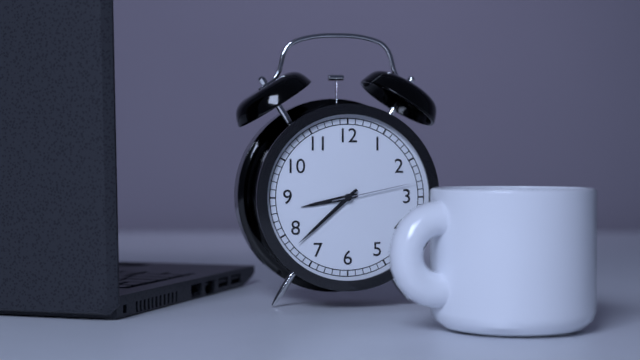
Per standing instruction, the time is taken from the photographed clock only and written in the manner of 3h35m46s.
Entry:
8h38m13s
